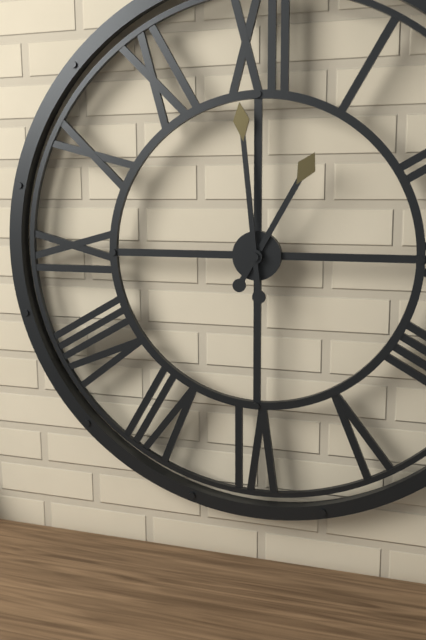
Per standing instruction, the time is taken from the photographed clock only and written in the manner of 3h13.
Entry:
12h59
